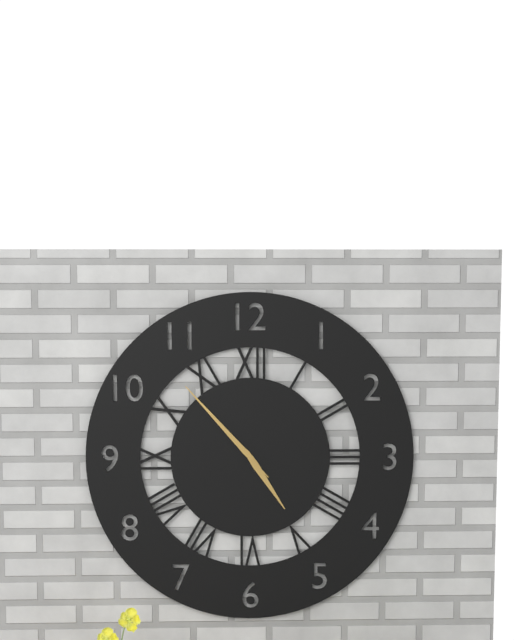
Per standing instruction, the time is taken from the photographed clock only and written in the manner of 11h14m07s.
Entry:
4h53m53s
